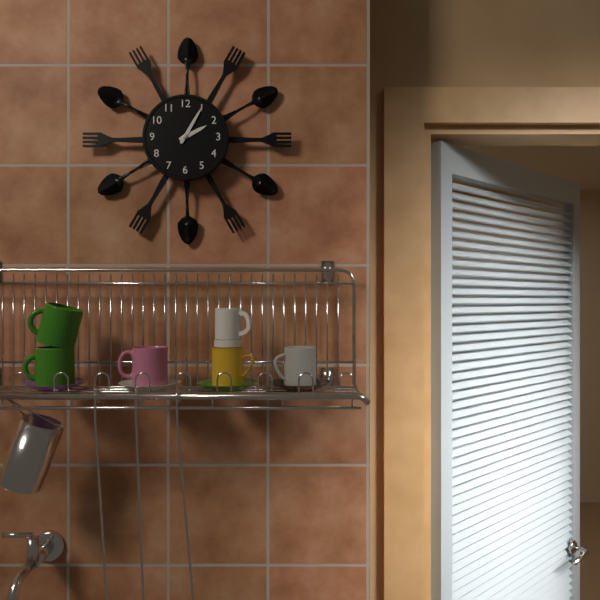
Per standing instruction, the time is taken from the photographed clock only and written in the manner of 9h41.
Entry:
2h05
